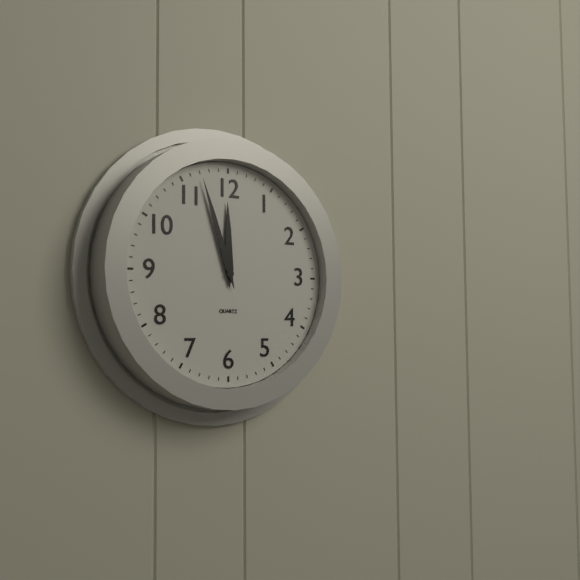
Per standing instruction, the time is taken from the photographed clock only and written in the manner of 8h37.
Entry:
11h57
